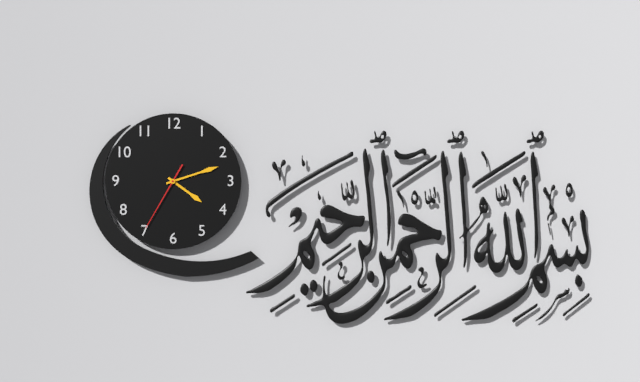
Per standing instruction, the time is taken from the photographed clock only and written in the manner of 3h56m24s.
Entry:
4h12m35s
